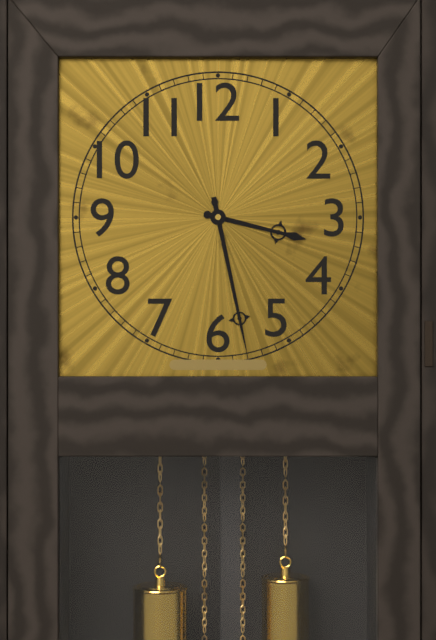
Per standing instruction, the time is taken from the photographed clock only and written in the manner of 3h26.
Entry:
3h28
